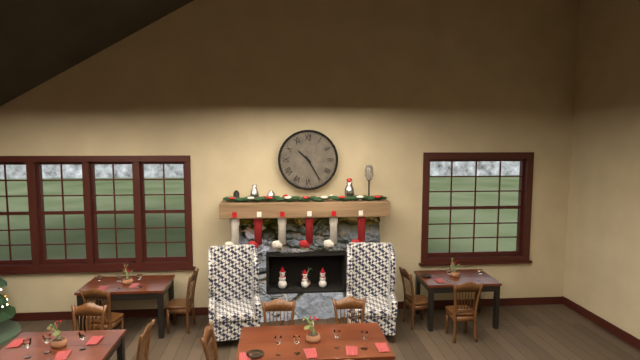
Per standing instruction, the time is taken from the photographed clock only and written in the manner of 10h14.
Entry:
10h25
